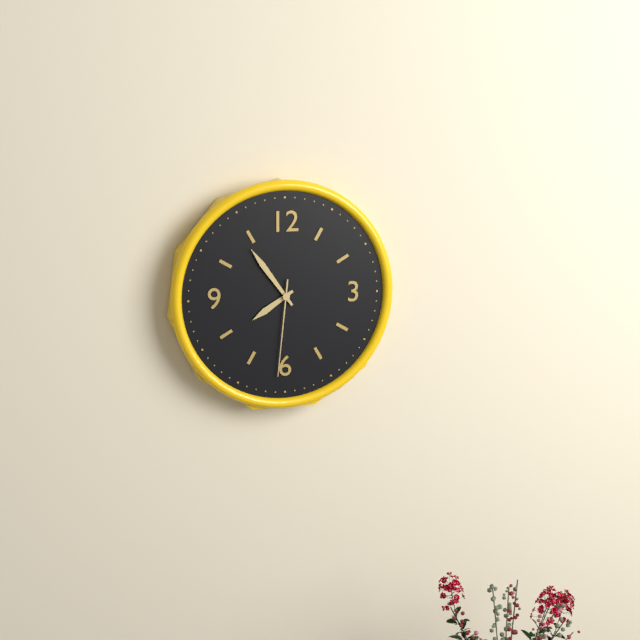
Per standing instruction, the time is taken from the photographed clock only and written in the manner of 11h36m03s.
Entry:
7h54m31s
